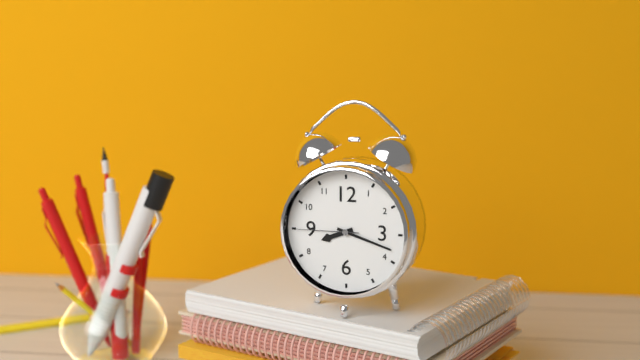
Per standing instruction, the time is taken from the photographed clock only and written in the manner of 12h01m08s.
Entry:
8h18m45s
